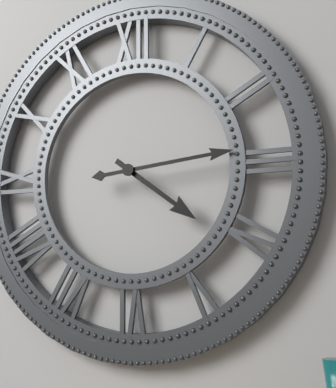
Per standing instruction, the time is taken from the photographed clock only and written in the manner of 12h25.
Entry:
4h14
